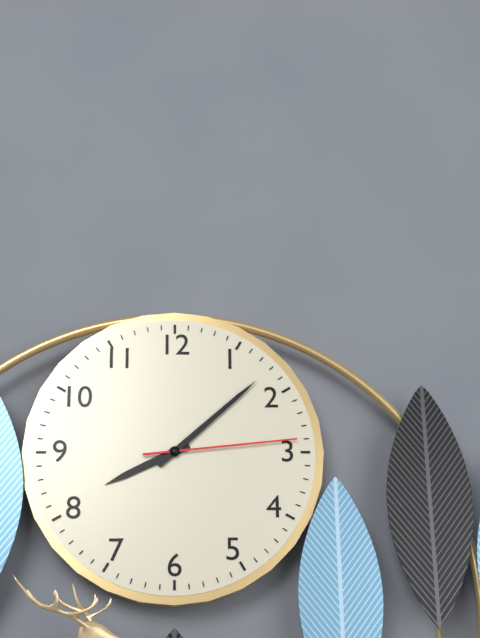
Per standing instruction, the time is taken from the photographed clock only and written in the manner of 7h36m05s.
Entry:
8h08m14s
